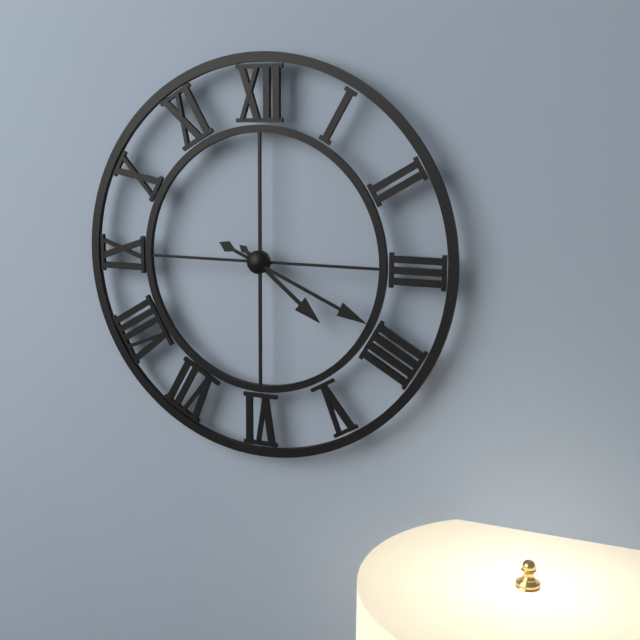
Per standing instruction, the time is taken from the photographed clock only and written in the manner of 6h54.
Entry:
4h19
